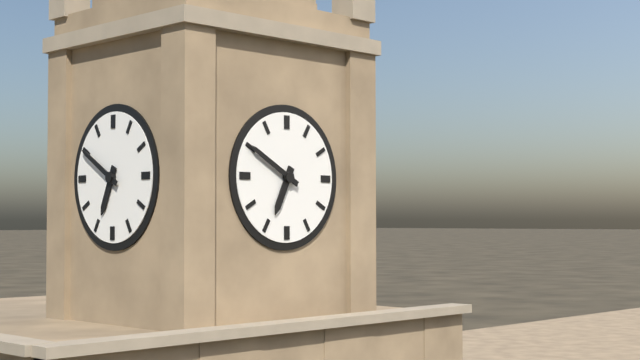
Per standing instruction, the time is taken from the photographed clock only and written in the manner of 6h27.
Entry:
6h50
